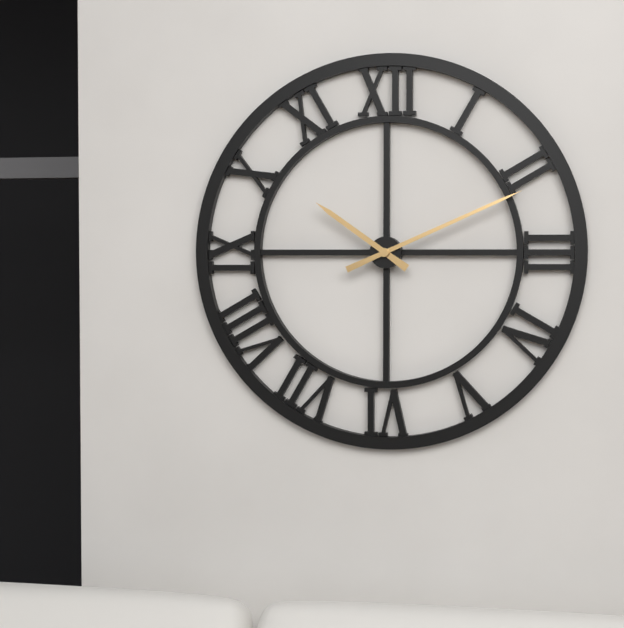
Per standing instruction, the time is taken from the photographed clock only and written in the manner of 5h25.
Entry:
10h11
